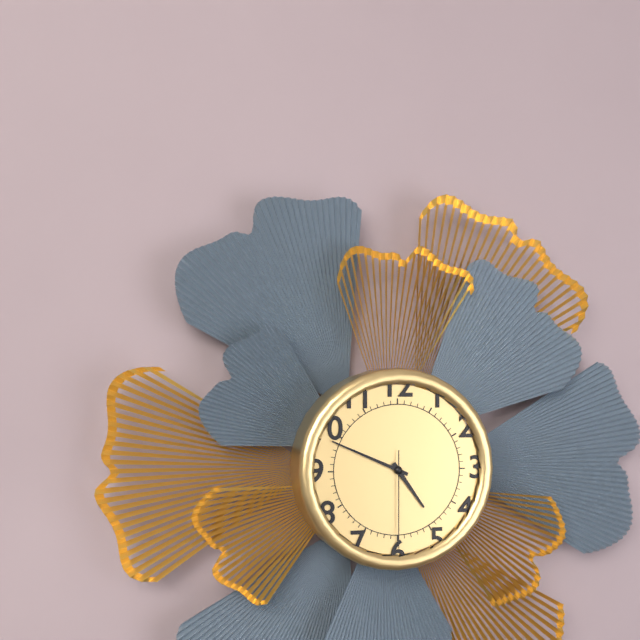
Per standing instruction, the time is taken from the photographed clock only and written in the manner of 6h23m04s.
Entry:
4h49m30s
